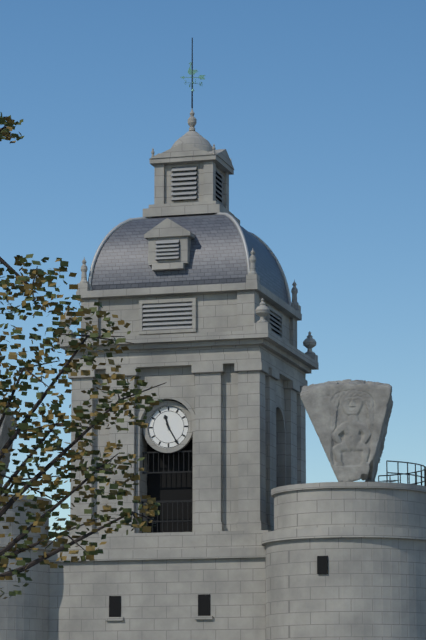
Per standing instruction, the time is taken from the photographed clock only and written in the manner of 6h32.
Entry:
11h25
